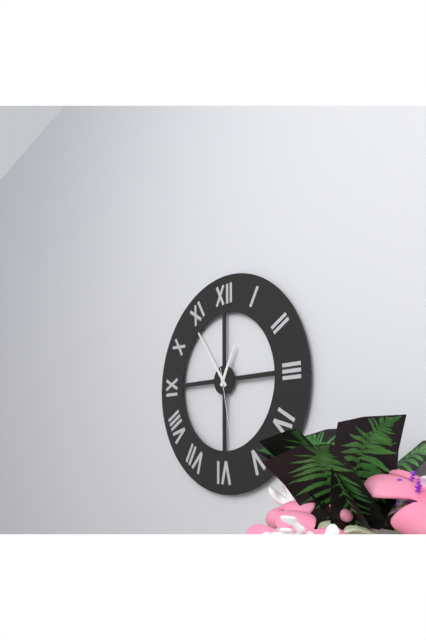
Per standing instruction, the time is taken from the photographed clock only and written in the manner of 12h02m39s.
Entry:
12h54m28s
